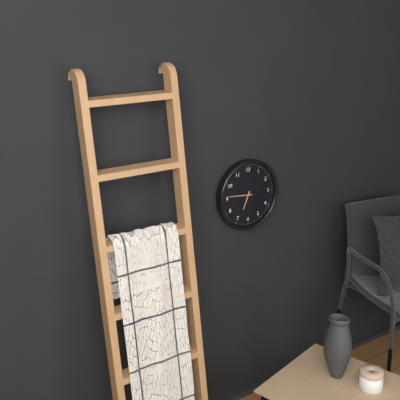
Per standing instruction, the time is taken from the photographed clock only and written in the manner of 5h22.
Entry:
6h46
